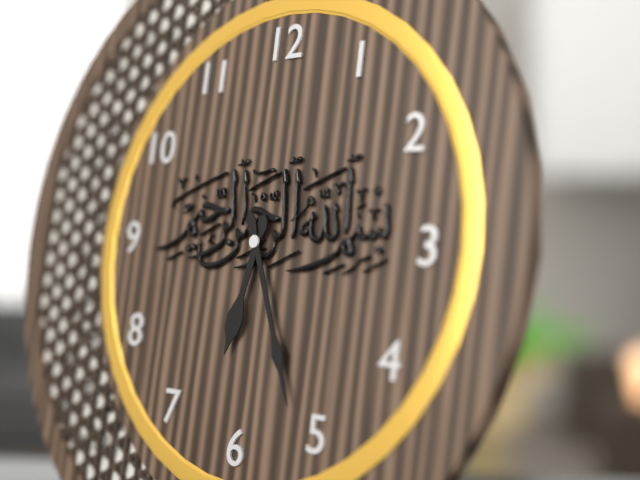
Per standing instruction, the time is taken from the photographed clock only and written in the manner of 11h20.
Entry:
6h26
